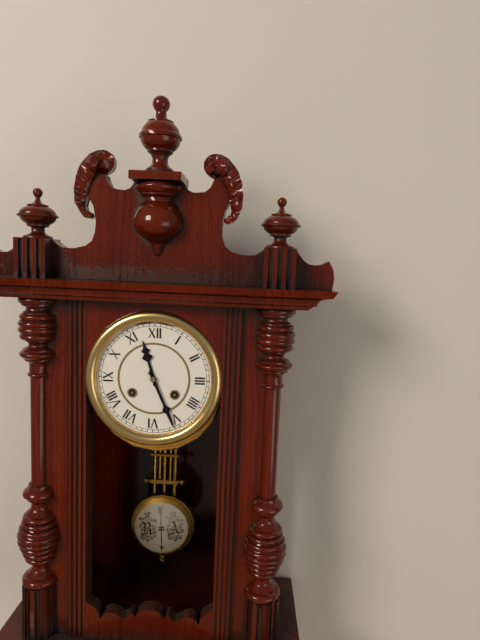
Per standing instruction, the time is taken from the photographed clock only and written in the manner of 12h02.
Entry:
11h26
